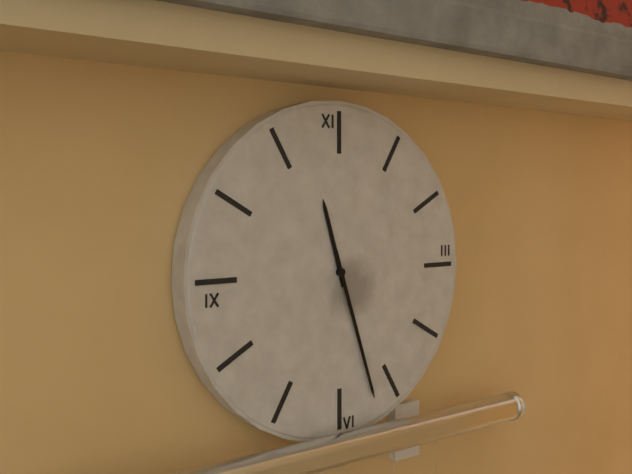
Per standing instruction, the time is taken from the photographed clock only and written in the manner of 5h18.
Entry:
11h27
